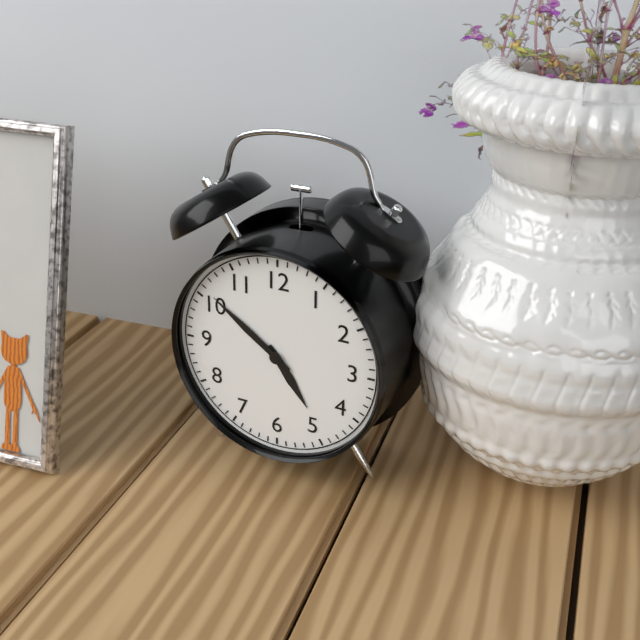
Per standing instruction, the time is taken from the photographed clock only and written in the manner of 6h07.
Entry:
4h51
